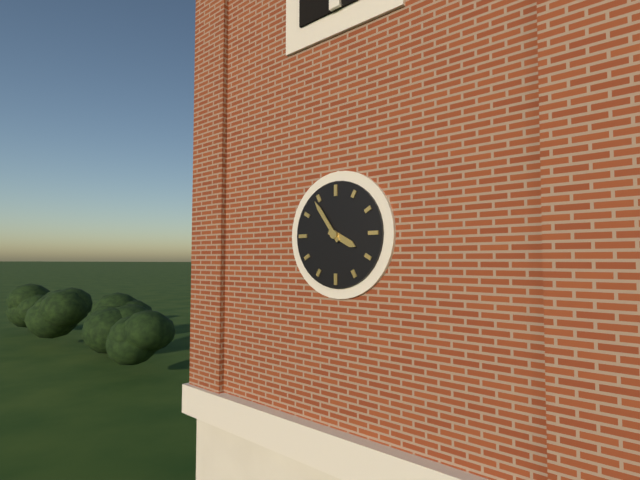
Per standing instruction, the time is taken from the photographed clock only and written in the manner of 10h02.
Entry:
3h54
